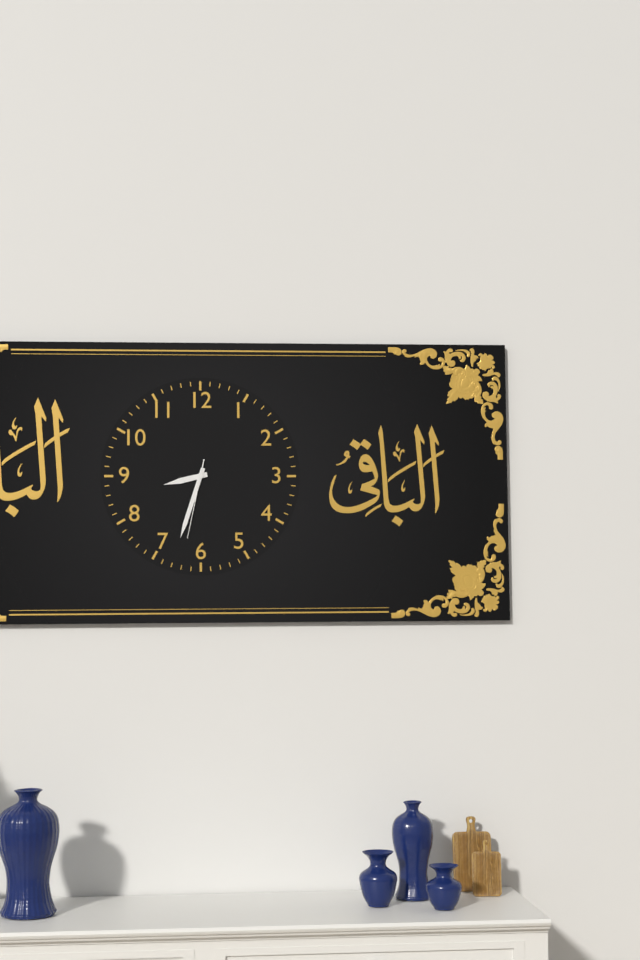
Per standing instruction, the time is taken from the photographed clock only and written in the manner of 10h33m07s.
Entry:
8h33m32s
